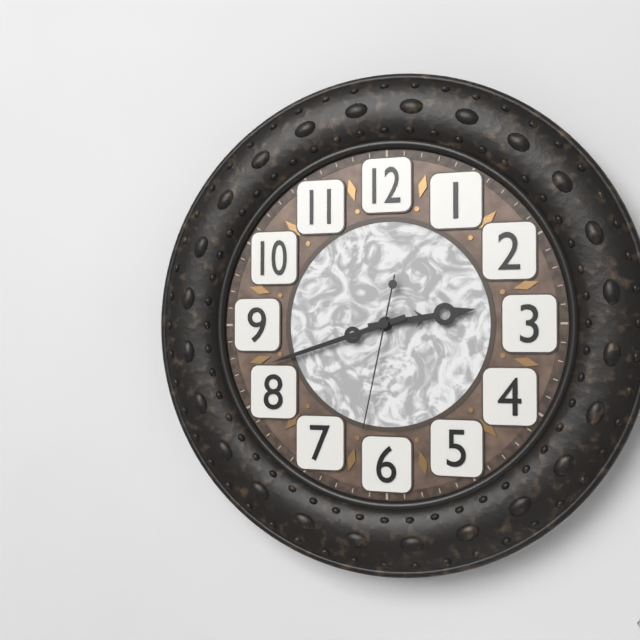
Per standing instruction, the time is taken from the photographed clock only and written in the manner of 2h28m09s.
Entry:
2h42m32s
